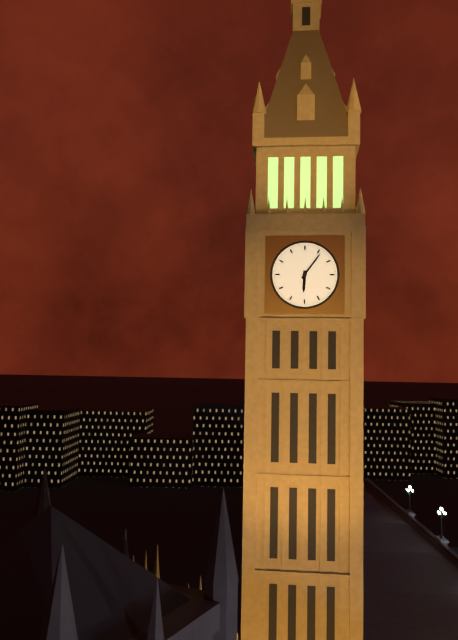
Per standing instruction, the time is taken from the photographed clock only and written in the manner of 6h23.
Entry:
6h06
